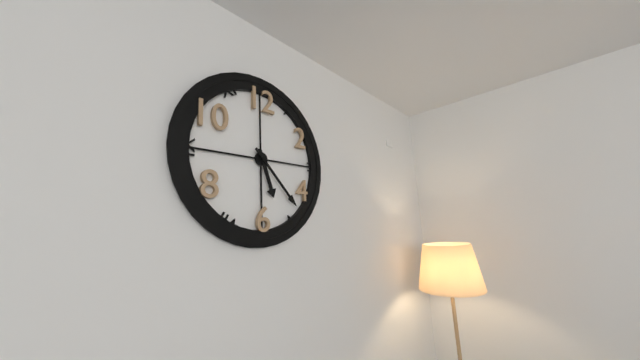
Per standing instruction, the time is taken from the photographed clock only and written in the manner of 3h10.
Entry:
5h23
